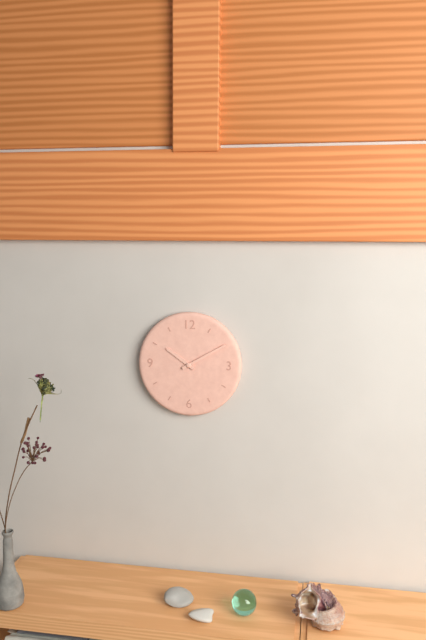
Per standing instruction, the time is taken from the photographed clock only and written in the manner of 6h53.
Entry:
10h10
